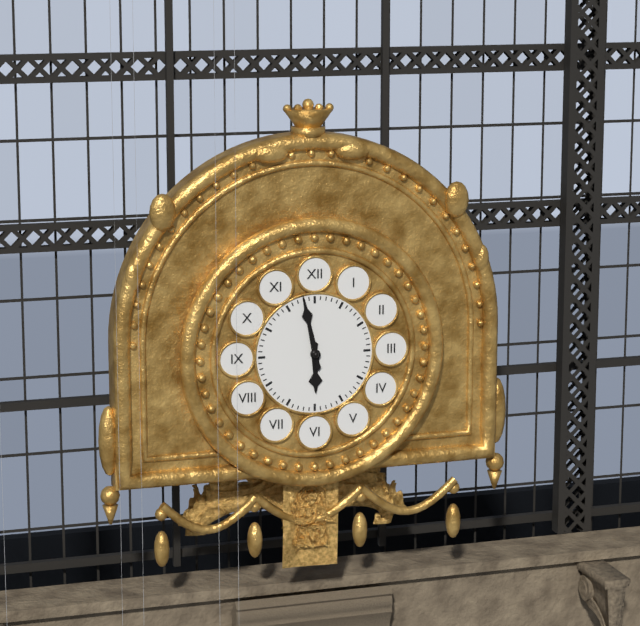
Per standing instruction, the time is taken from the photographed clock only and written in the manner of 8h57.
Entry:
5h58
